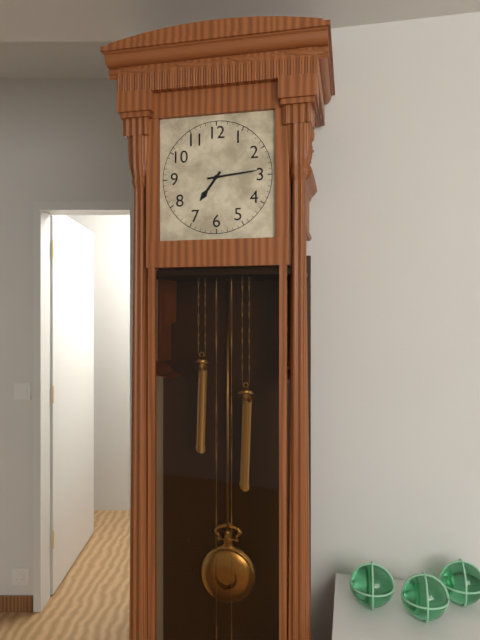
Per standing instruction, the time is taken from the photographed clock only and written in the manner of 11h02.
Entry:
7h14
